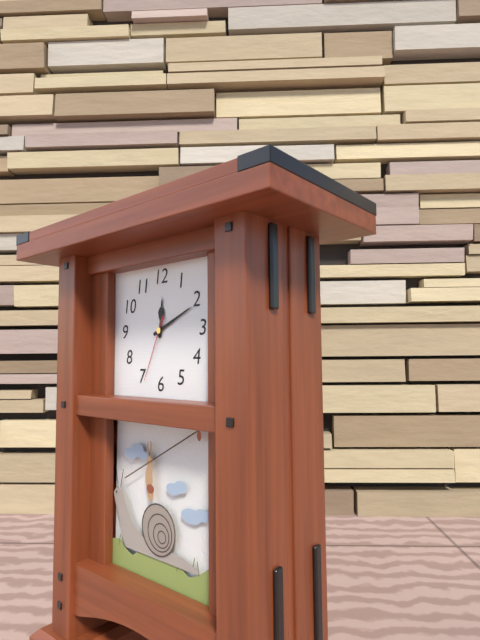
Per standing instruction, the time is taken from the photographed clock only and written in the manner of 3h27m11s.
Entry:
12h11m34s
